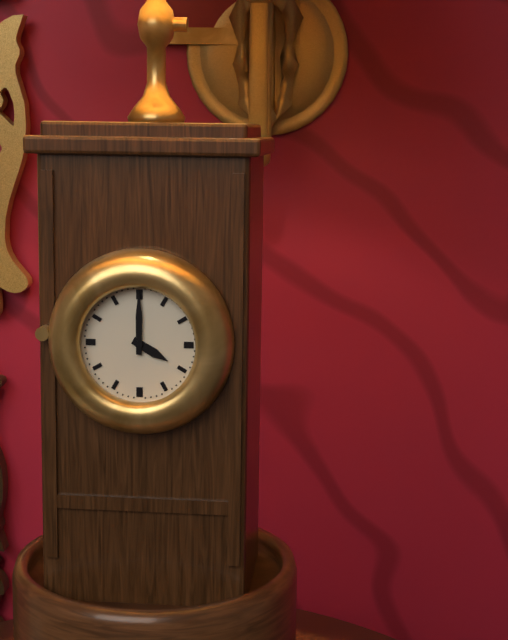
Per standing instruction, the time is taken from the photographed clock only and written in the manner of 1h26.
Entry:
4h00
